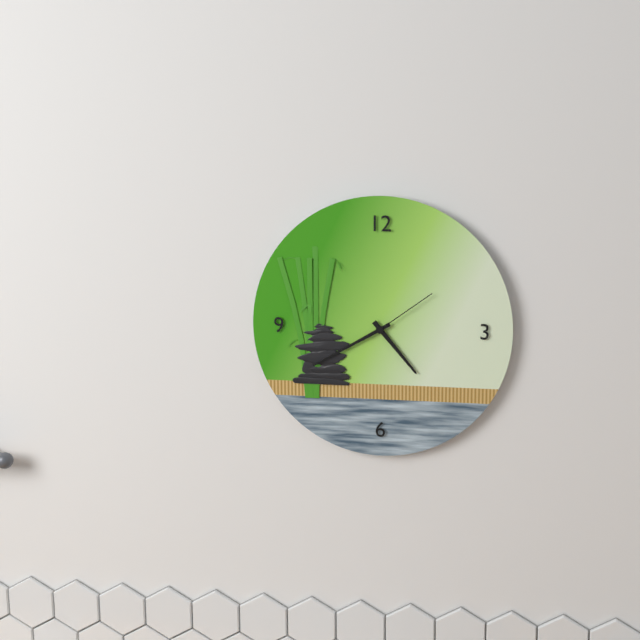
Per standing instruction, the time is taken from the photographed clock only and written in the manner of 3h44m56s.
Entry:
4h40m09s
